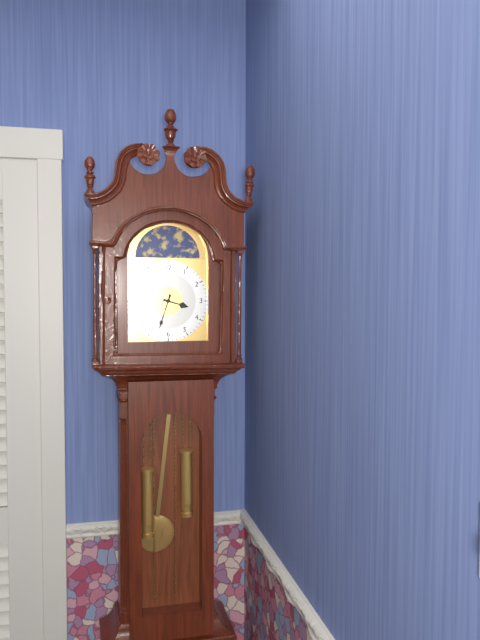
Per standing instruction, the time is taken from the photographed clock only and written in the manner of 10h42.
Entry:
3h33
